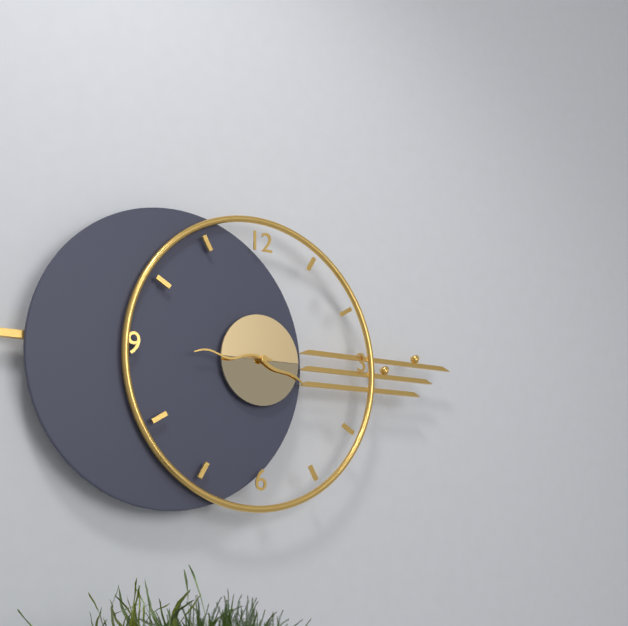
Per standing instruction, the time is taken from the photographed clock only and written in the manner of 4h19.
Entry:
3h45
